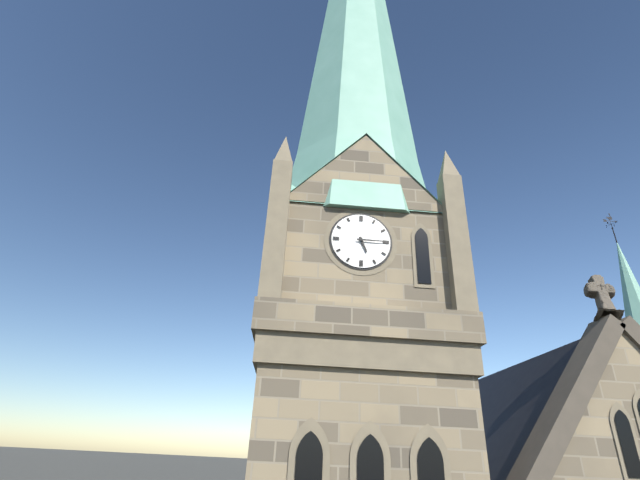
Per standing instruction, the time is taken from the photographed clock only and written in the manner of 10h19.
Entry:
5h15
